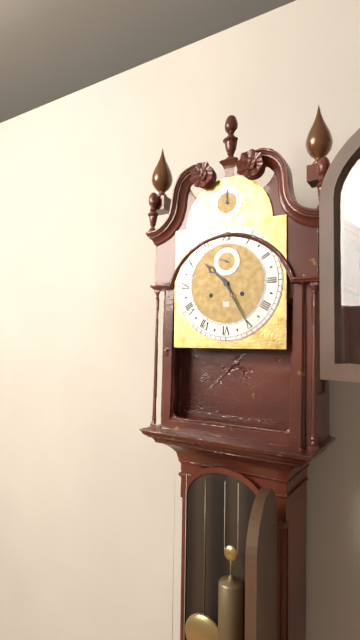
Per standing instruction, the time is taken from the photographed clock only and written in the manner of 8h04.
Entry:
10h25
